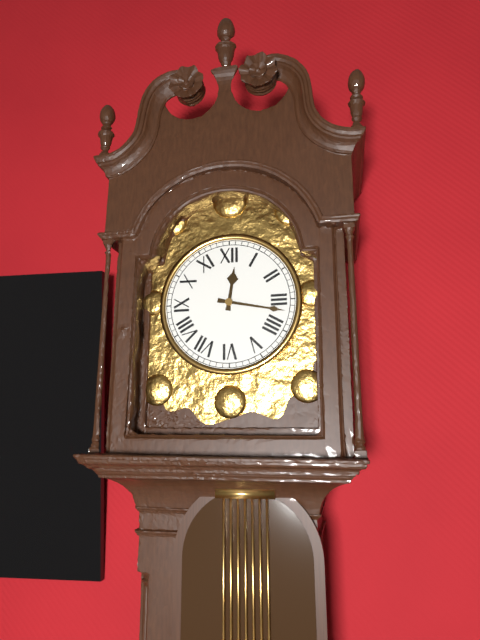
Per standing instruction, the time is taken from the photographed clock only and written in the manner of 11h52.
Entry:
12h17
